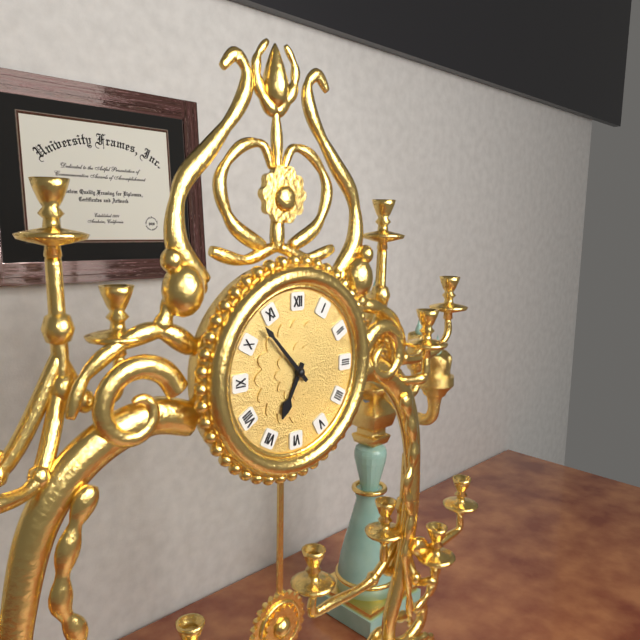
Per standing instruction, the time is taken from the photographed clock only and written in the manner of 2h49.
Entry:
6h53
